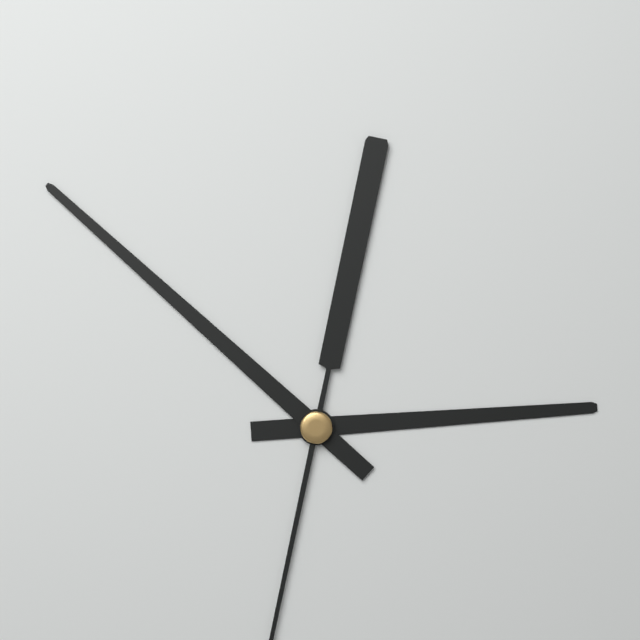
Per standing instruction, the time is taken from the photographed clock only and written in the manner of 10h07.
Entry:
2h52
